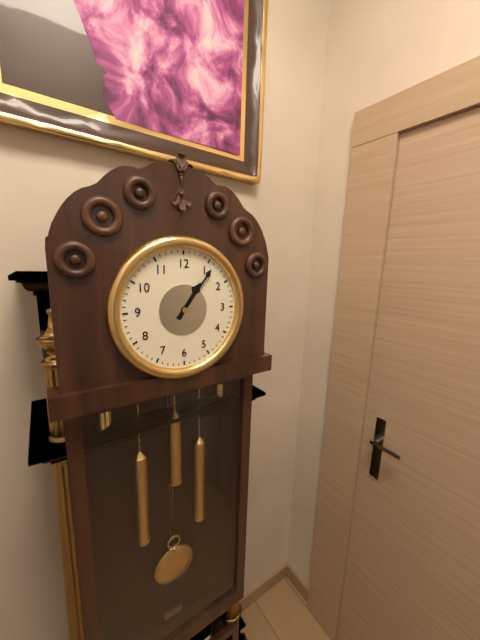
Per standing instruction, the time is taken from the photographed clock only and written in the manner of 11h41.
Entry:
1h06
